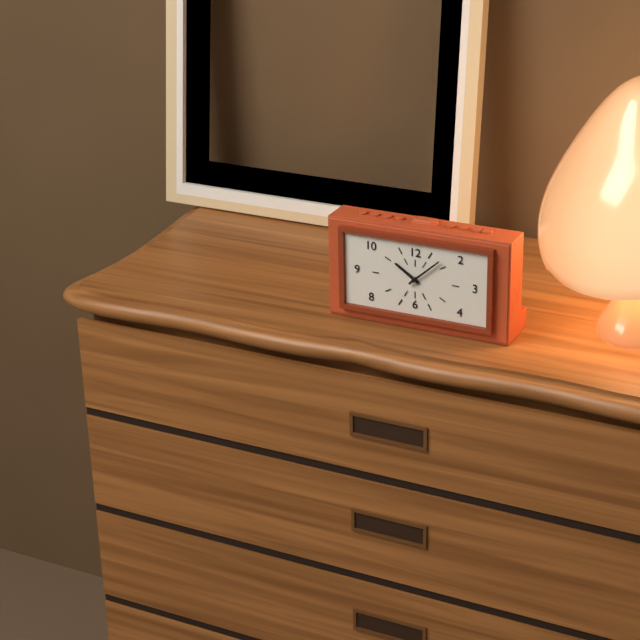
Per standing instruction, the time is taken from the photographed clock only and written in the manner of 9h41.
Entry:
10h08
